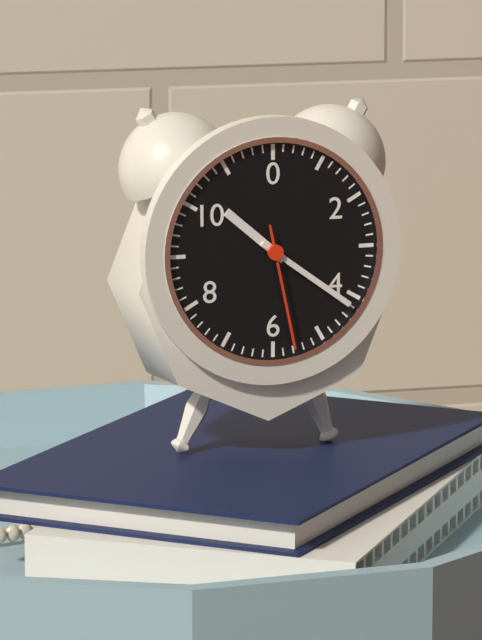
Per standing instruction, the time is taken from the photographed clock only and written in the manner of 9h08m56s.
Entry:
10h21m28s
